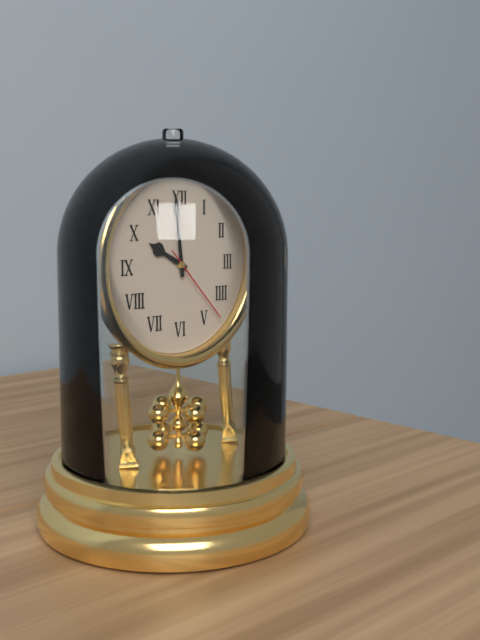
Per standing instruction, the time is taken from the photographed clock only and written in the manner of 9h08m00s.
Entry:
9h59m23s
